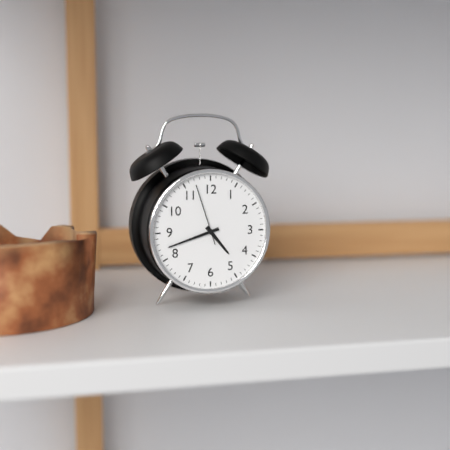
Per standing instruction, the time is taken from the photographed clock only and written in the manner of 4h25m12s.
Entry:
4h42m57s
